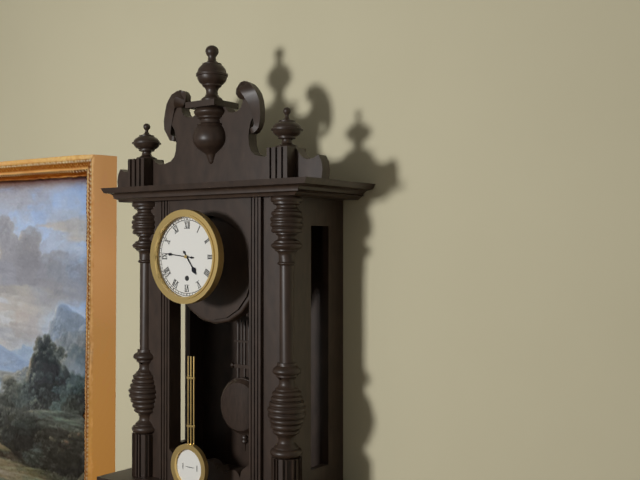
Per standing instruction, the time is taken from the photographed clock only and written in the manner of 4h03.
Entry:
4h46
